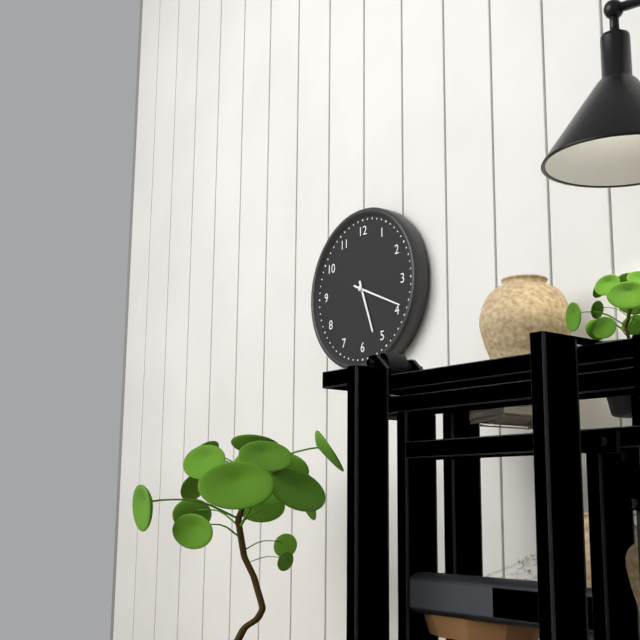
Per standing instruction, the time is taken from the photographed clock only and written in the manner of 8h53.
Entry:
5h19
